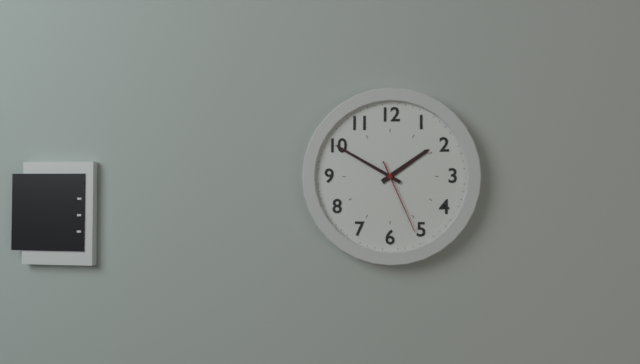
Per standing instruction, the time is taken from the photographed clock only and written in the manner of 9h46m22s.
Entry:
1h50m26s
